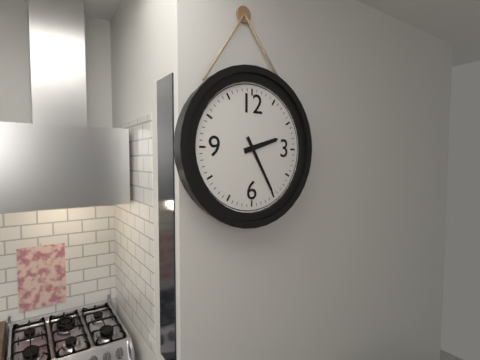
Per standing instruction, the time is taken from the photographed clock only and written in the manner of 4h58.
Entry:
2h25
